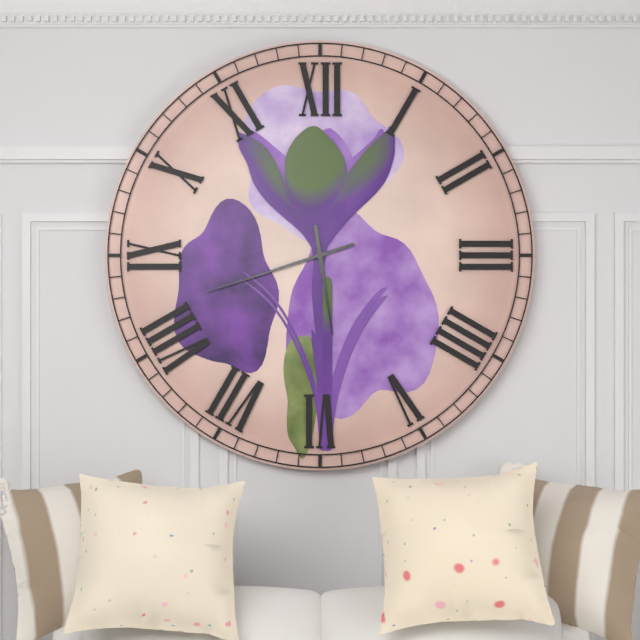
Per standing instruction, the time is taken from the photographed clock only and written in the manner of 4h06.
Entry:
5h42
